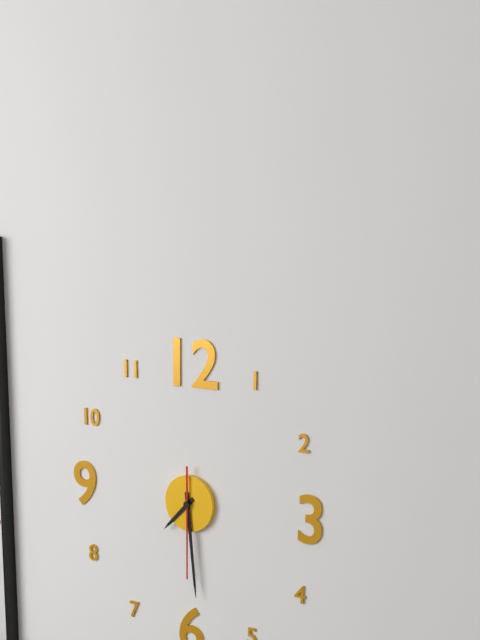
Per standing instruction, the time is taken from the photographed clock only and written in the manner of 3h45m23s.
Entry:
7h29m30s
